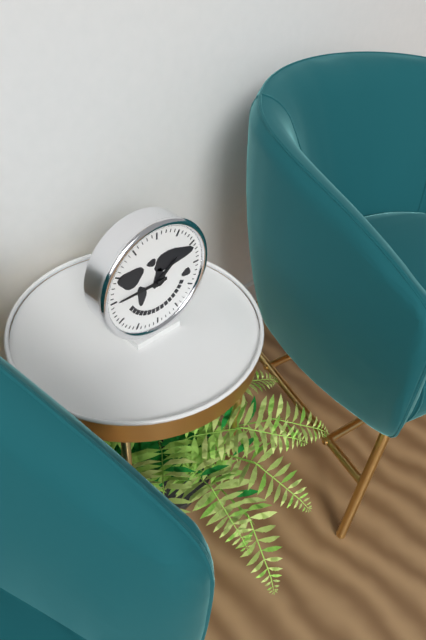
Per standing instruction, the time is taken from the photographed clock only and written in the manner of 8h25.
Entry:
1h45
